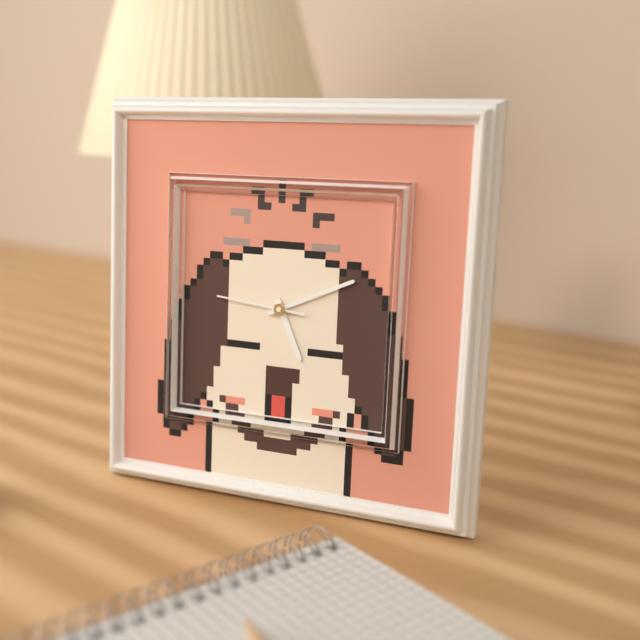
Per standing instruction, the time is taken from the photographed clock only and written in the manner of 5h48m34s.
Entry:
5h11m46s
